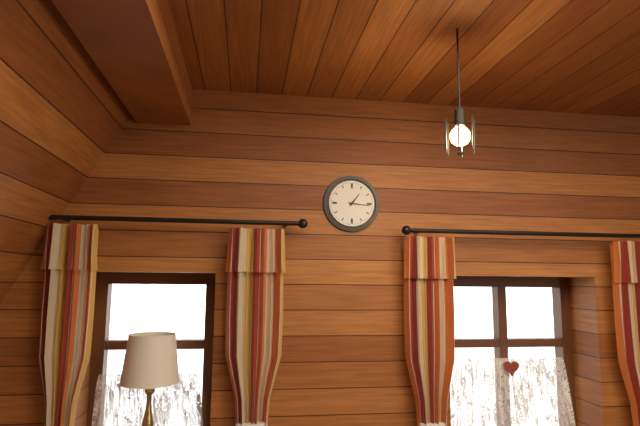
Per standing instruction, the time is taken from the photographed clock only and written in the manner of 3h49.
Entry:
1h16
